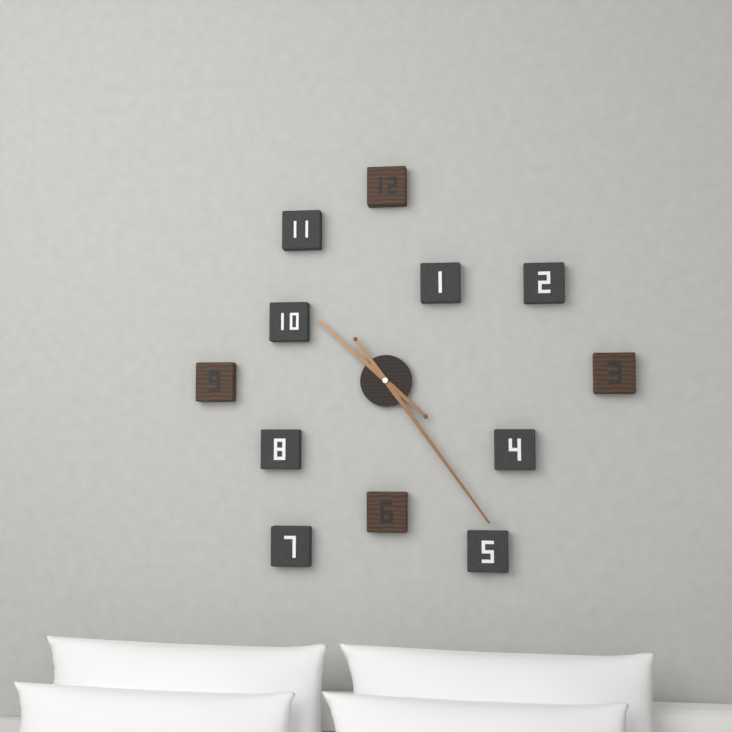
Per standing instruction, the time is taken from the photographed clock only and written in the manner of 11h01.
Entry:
10h24
